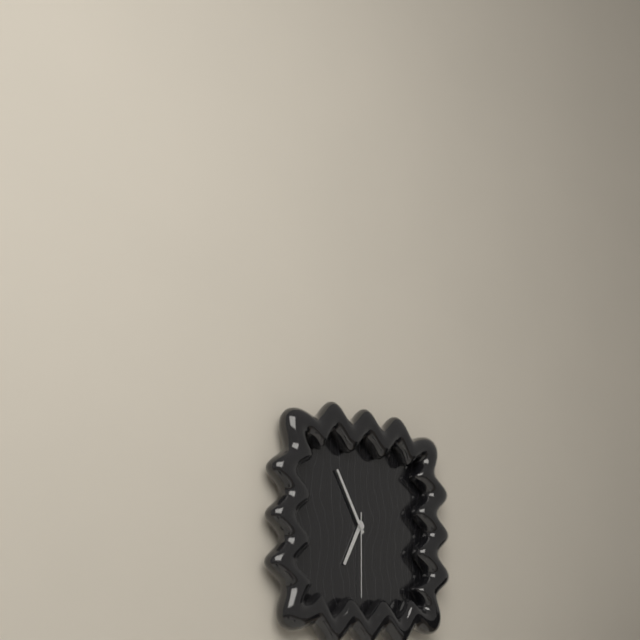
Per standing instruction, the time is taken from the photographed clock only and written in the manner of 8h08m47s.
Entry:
6h55m30s
